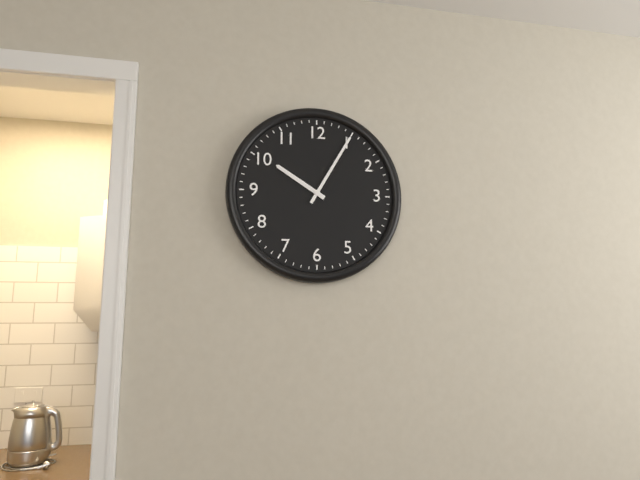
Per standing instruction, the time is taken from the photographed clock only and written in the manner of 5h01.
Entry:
10h05
